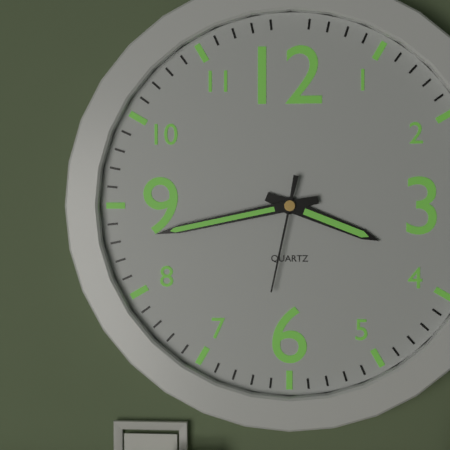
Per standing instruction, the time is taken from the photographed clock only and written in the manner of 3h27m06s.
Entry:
3h43m32s
